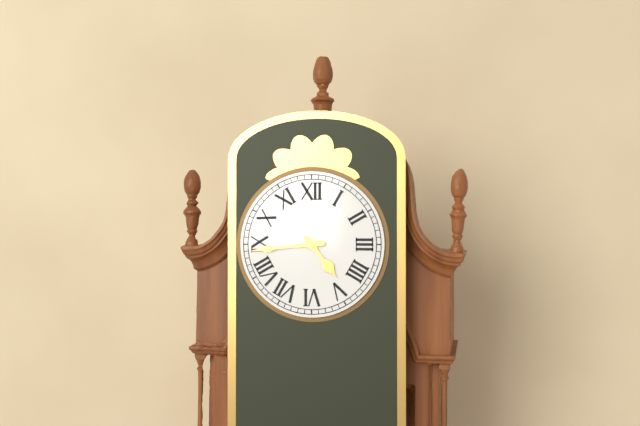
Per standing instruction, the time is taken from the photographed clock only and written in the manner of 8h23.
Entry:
4h44
